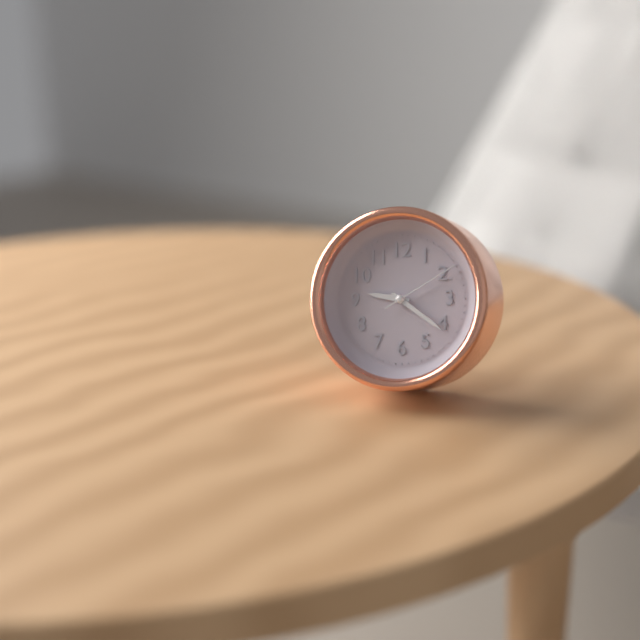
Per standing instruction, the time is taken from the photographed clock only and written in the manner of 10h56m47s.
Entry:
9h21m10s
